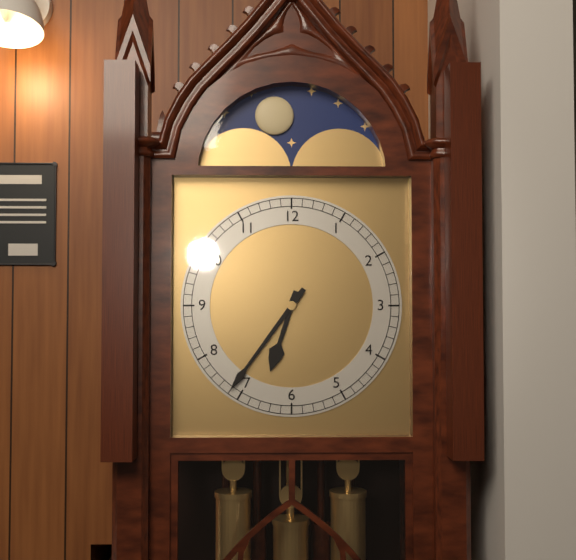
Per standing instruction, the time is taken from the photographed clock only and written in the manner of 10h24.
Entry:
6h36
